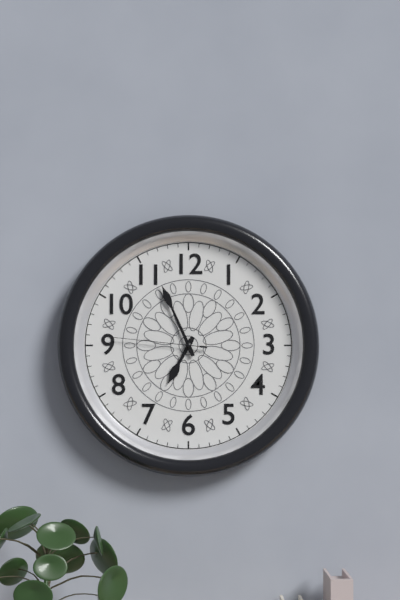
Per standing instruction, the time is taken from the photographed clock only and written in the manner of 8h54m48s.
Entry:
6h56m46s
